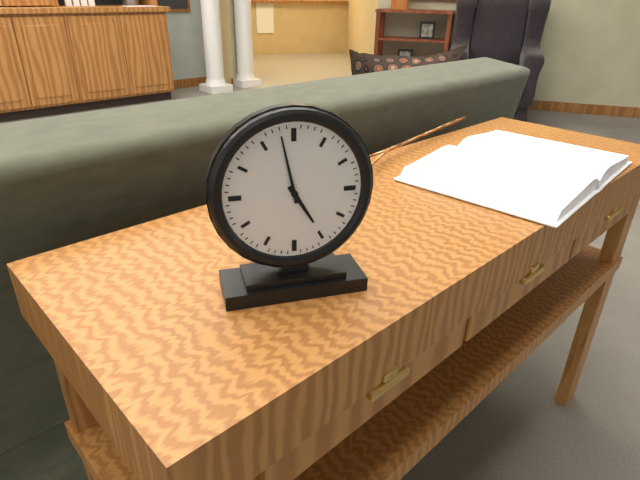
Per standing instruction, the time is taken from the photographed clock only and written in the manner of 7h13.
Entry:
4h58
